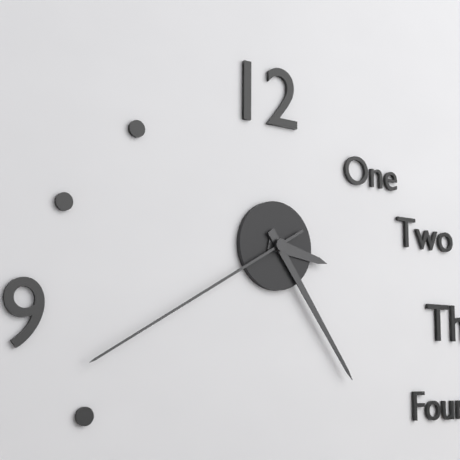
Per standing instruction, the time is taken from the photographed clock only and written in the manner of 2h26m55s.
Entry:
3h24m40s
